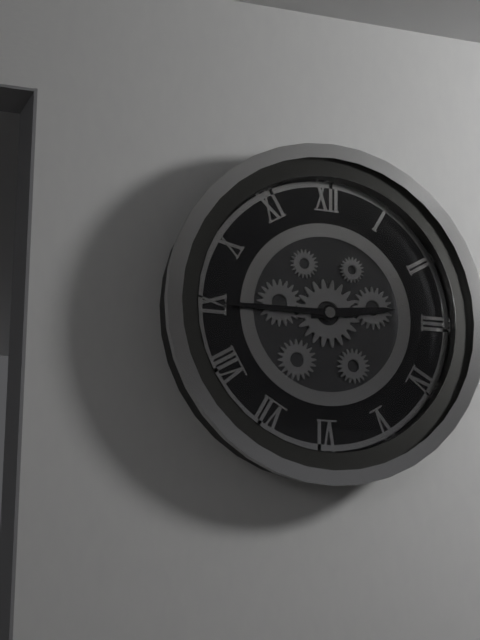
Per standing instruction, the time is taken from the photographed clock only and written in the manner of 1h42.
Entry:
2h45
